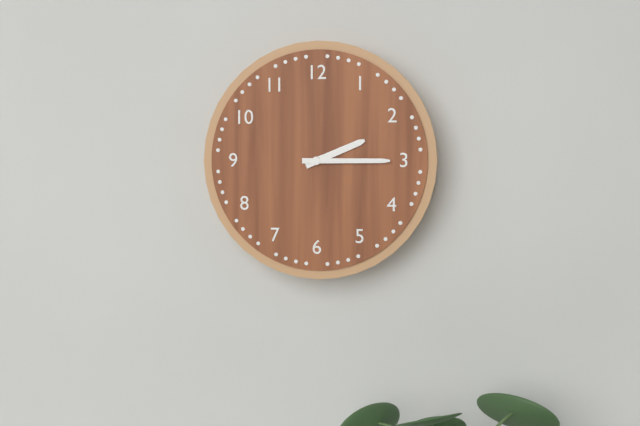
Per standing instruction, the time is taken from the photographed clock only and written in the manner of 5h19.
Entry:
2h15
